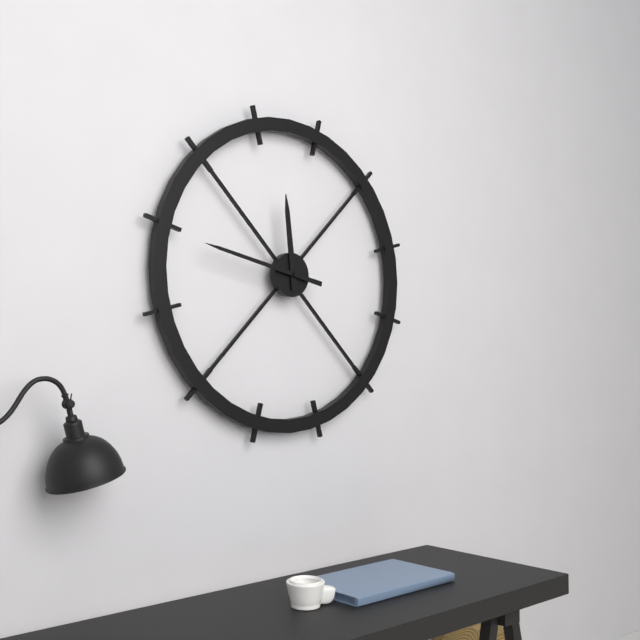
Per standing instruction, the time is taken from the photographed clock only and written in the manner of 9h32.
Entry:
11h47
